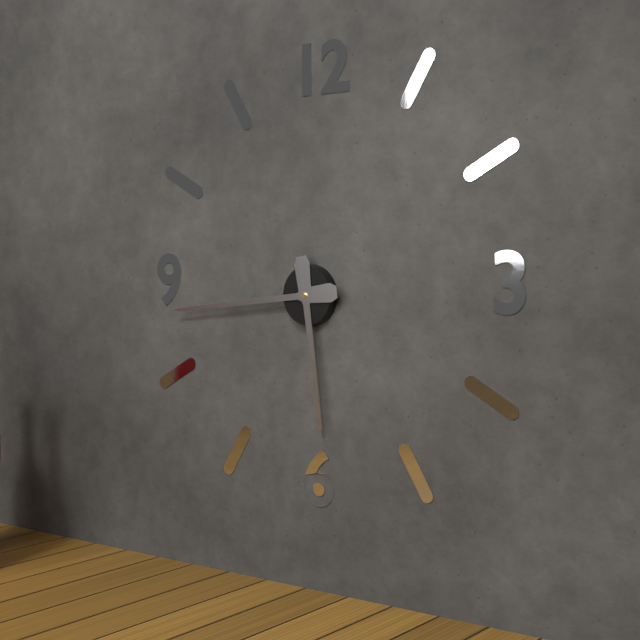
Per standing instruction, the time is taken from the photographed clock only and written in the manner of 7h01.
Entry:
5h44
